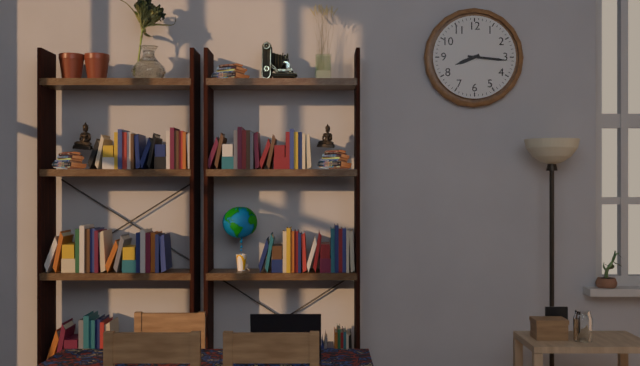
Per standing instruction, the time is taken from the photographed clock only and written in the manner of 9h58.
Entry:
8h16
